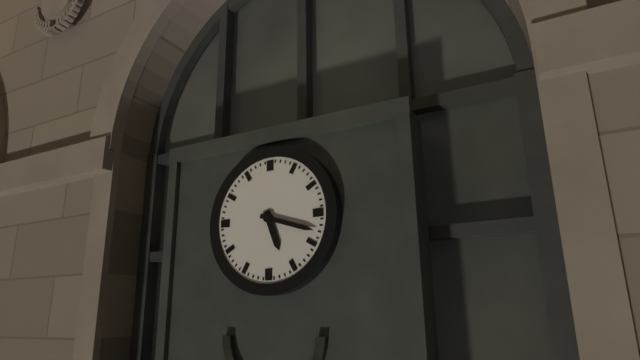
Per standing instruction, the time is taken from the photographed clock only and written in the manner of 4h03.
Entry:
5h18
